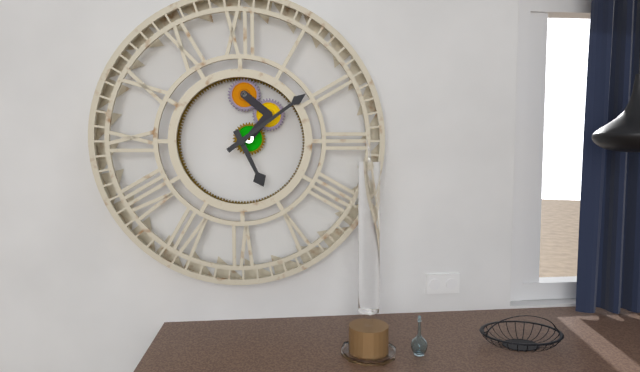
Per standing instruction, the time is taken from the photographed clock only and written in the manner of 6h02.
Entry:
5h09
